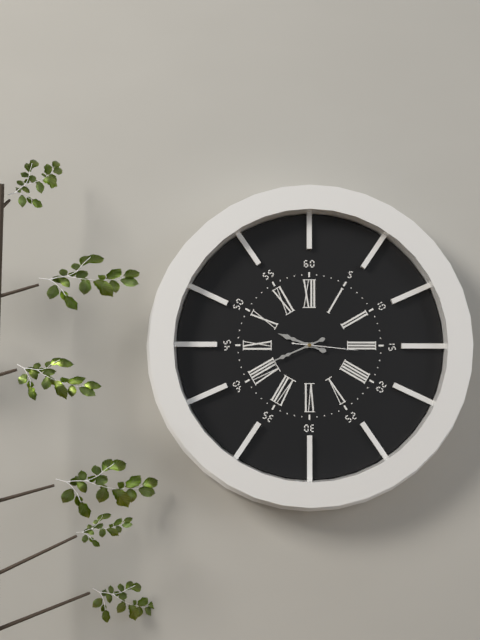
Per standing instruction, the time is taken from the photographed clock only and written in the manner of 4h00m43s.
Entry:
9h41m16s
